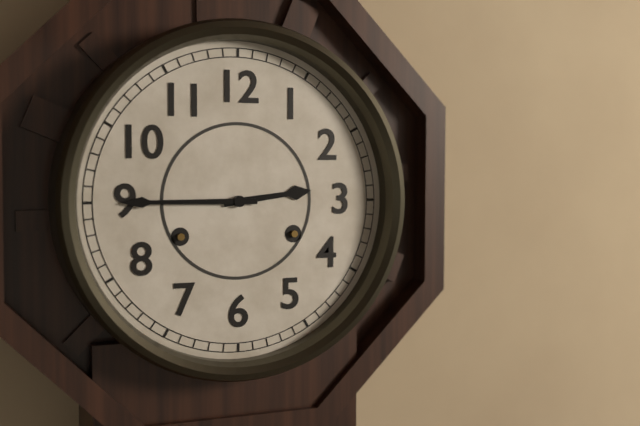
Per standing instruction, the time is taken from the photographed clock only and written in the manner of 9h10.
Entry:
2h45
